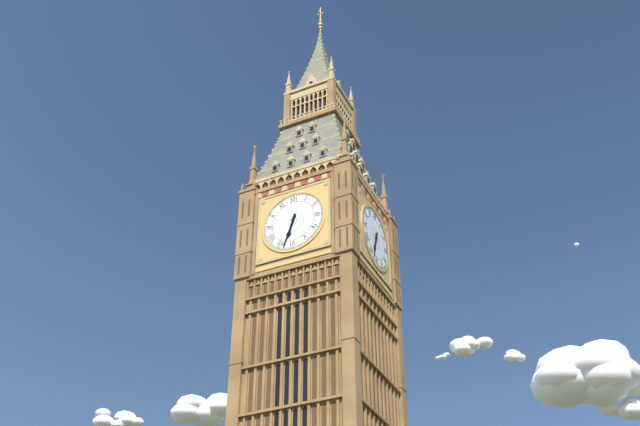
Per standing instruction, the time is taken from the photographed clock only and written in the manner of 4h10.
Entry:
6h33
